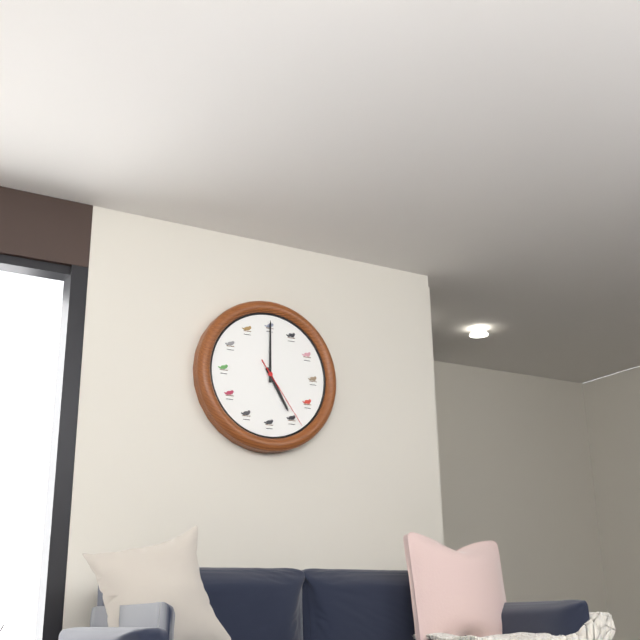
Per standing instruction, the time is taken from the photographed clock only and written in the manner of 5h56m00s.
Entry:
5h00m24s
